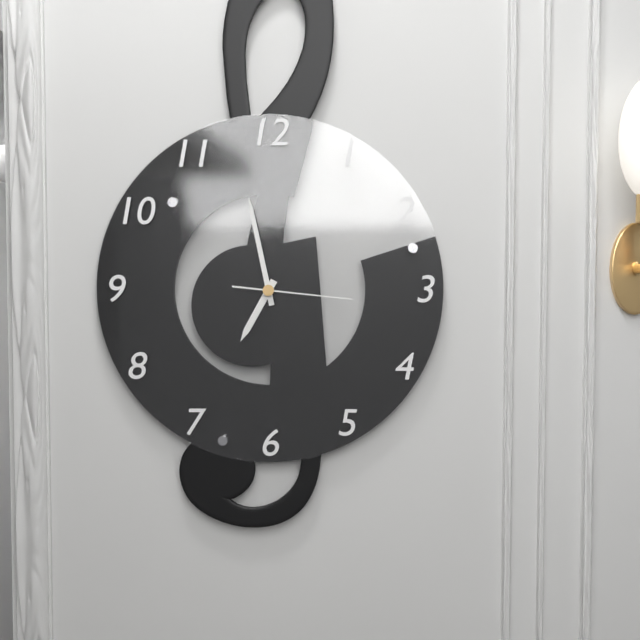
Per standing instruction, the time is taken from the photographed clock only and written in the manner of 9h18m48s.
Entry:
6h58m16s
